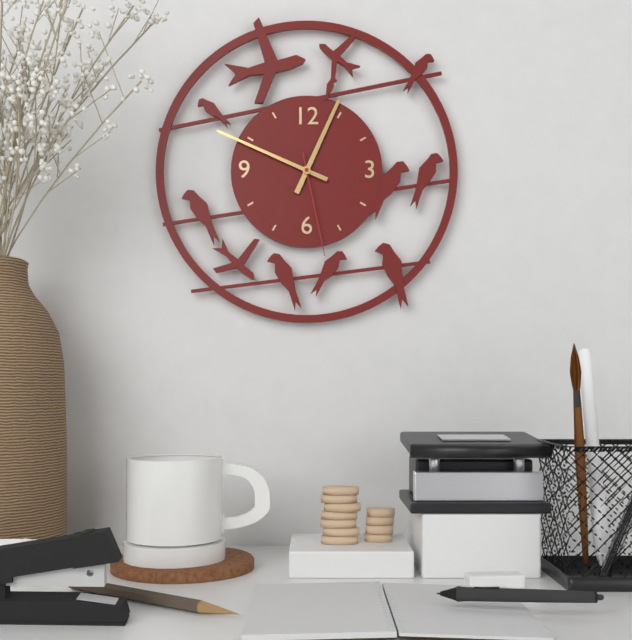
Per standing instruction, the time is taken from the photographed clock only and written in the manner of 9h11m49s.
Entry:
12h49m28s
